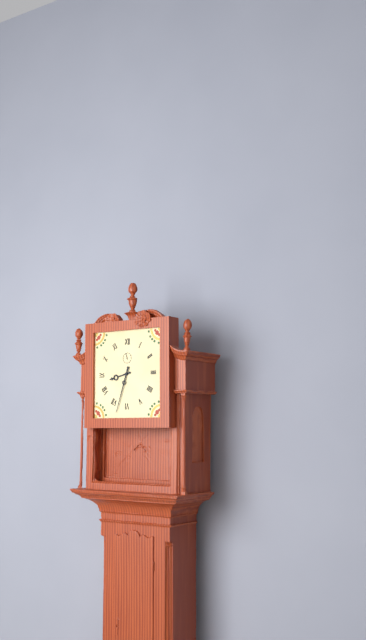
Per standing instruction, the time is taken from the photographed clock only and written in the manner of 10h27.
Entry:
8h33
